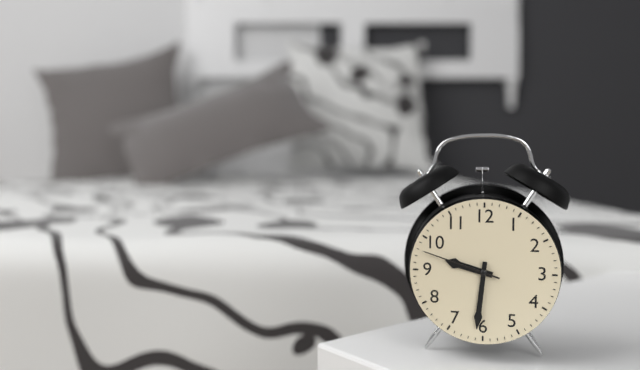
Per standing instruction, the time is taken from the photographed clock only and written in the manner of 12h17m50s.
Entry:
9h31m48s
